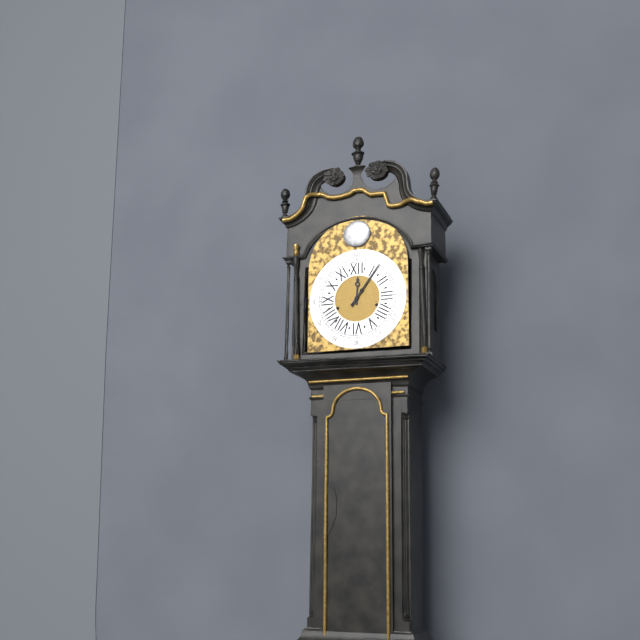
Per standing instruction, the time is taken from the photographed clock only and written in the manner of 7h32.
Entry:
12h06
